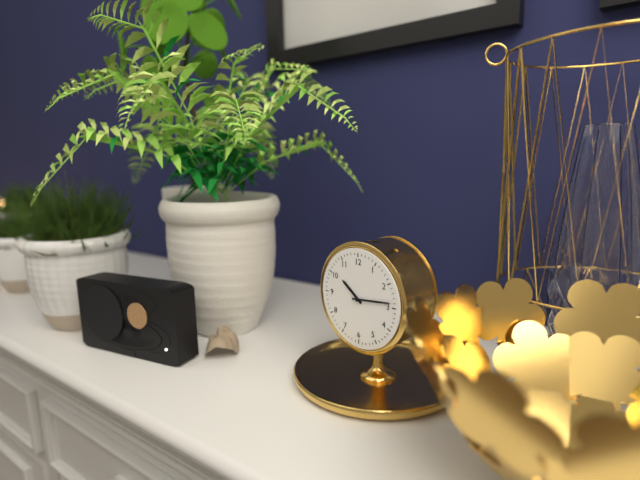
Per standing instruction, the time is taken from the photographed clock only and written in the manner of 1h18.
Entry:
10h14
